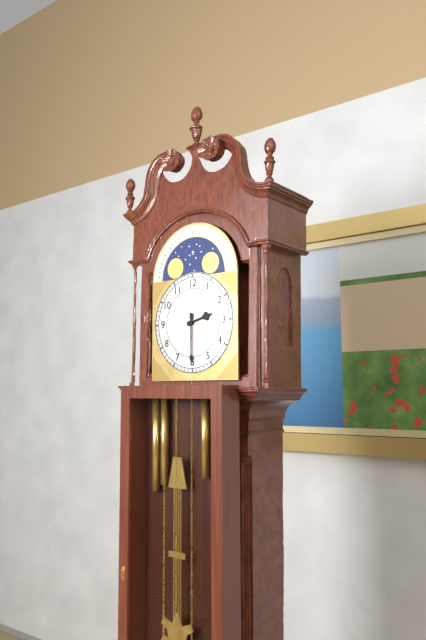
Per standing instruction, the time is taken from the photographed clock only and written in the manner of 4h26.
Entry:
2h30
